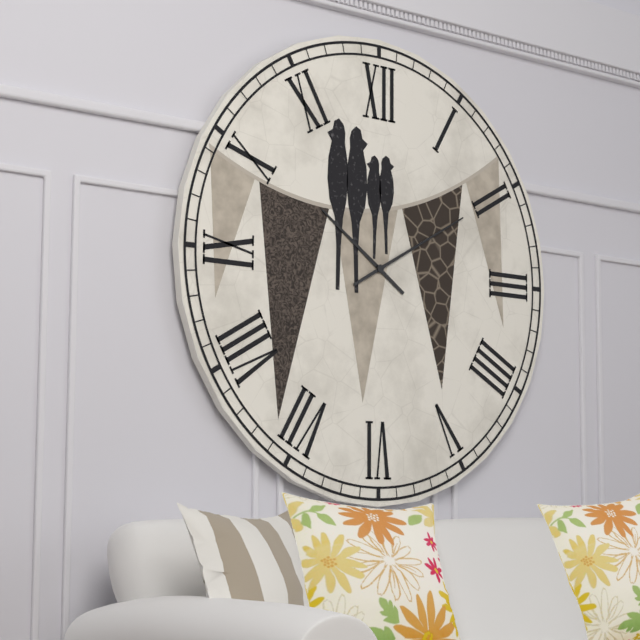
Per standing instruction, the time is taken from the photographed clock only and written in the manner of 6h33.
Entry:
10h10
